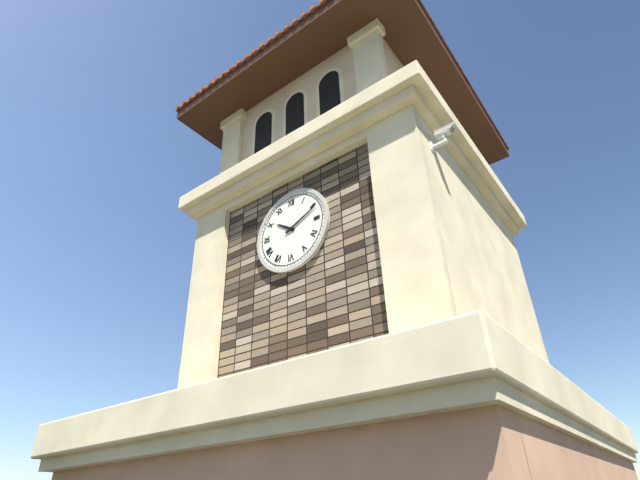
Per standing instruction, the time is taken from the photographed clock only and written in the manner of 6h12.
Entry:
10h11
